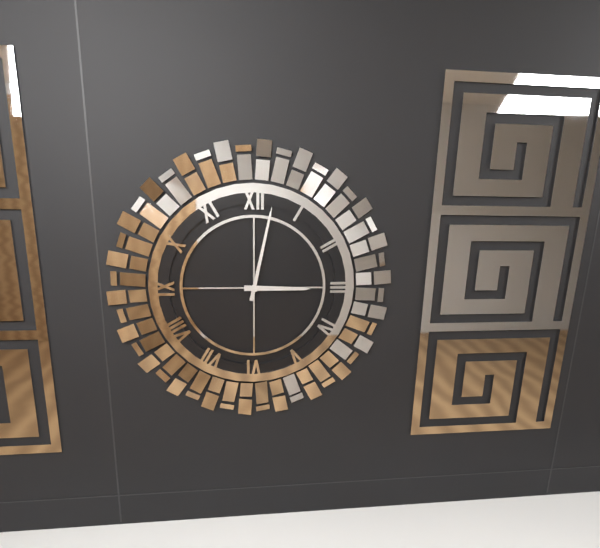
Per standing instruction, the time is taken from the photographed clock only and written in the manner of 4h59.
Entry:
3h02
